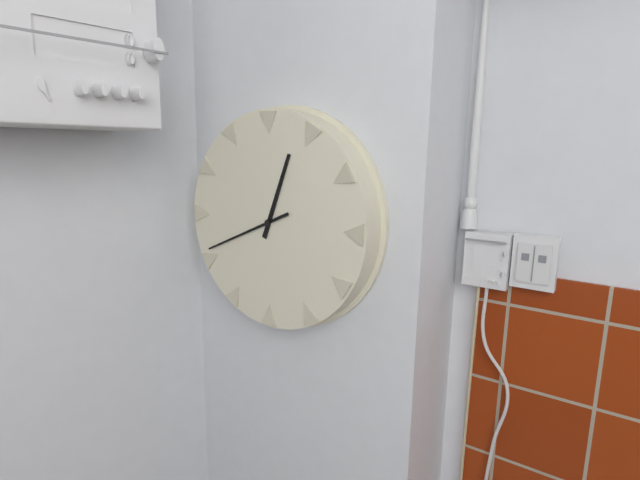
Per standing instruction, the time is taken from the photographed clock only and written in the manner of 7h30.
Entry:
12h41
